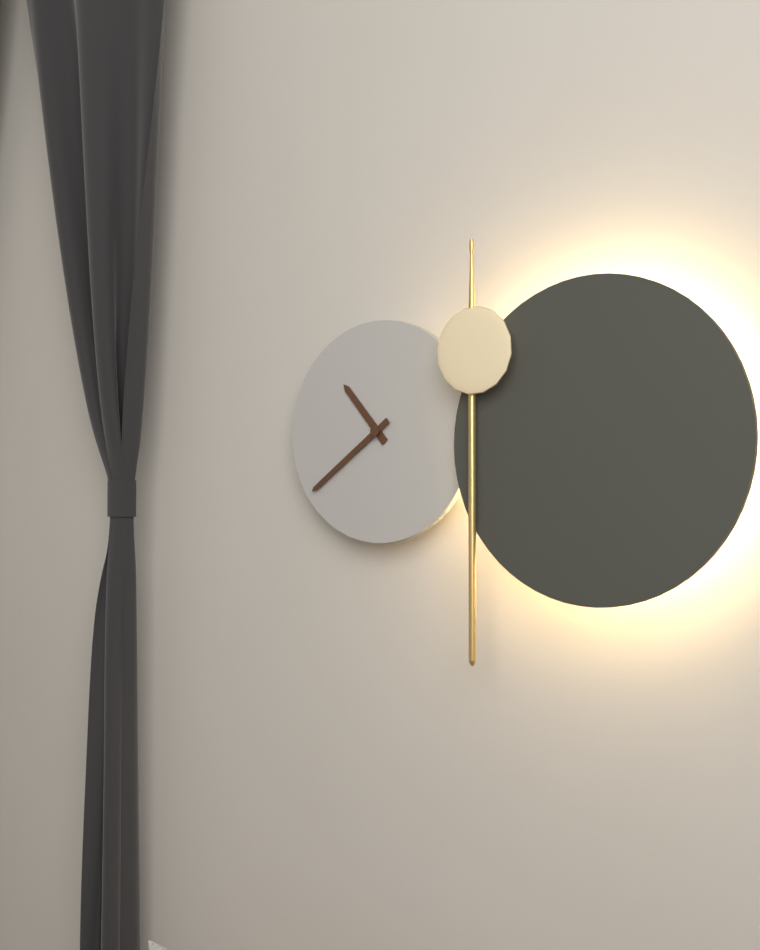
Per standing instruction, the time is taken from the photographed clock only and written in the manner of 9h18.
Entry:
10h39
